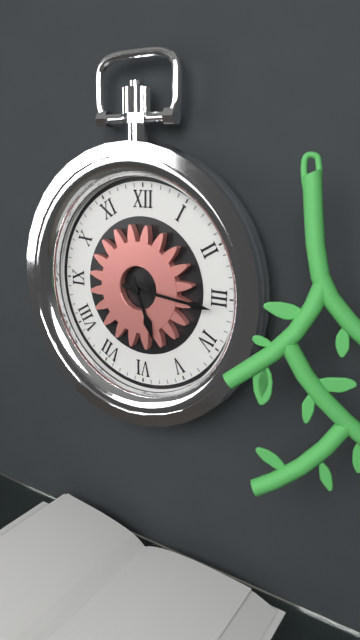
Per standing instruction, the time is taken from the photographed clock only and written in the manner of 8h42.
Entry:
5h16
